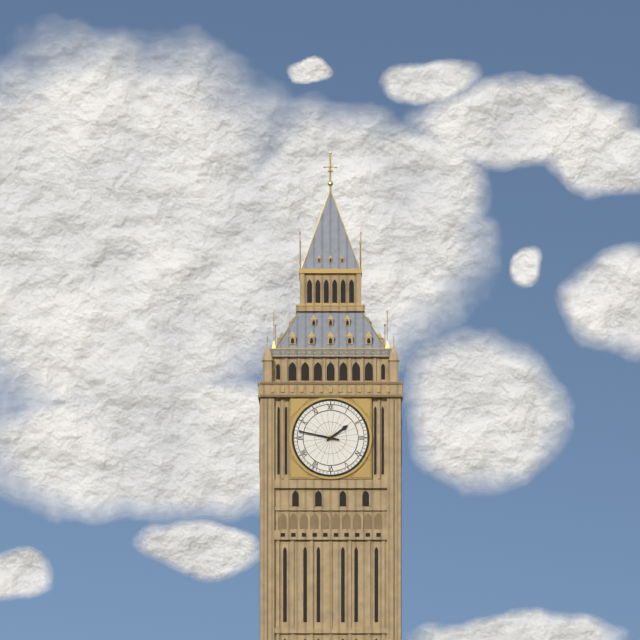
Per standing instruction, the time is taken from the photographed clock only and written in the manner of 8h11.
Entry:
1h47
